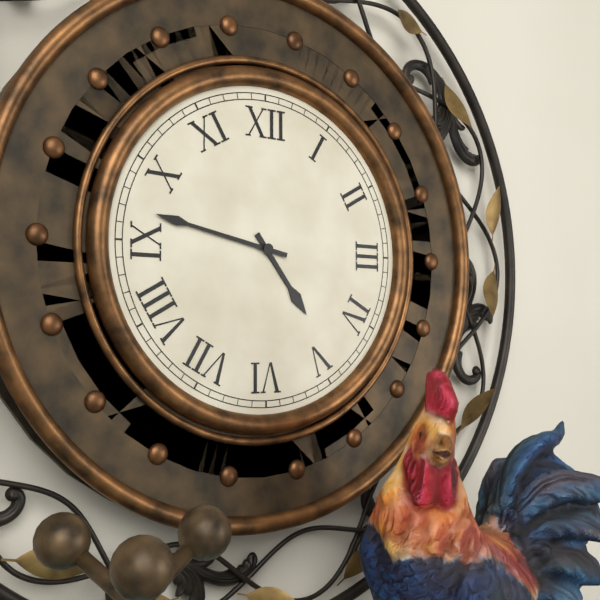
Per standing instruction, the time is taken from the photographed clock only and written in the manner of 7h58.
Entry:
4h47
